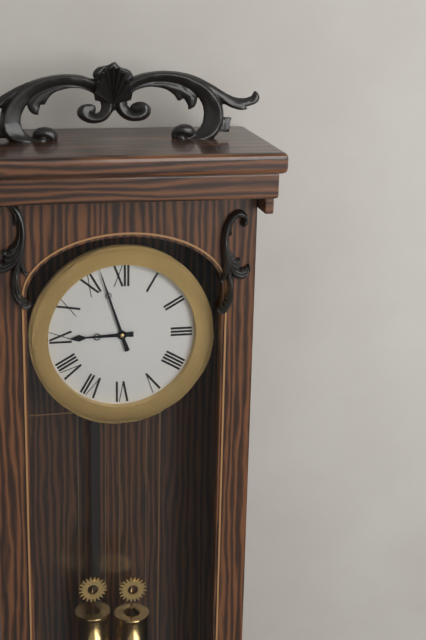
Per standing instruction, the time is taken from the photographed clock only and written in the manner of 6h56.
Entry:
8h57
